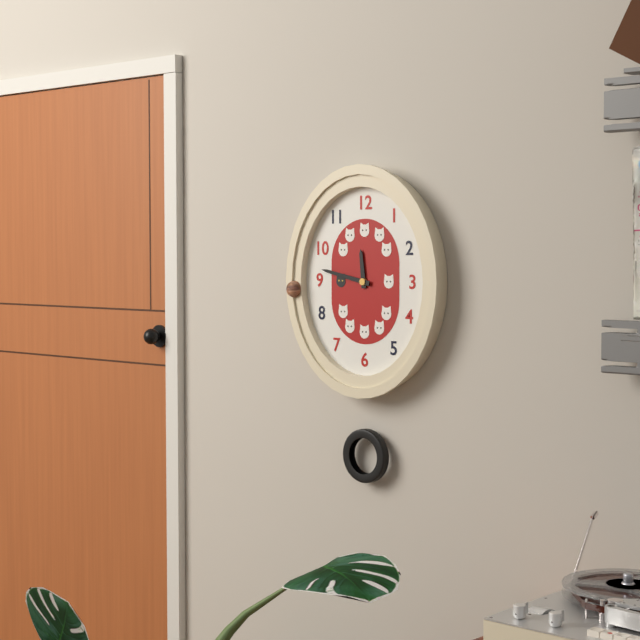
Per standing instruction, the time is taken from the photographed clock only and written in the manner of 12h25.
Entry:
11h47
